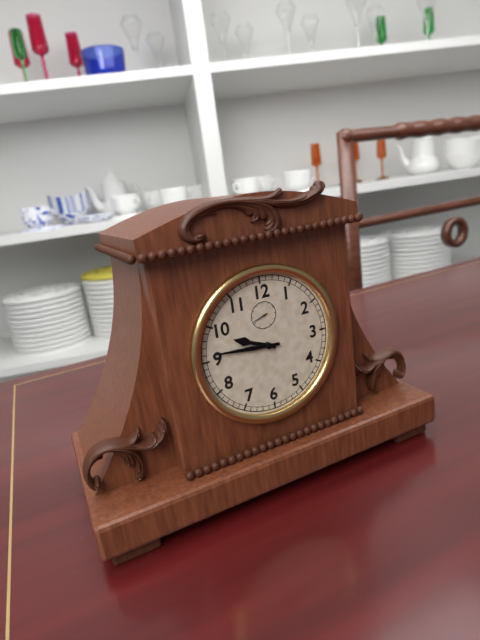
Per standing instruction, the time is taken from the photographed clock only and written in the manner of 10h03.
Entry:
9h46
